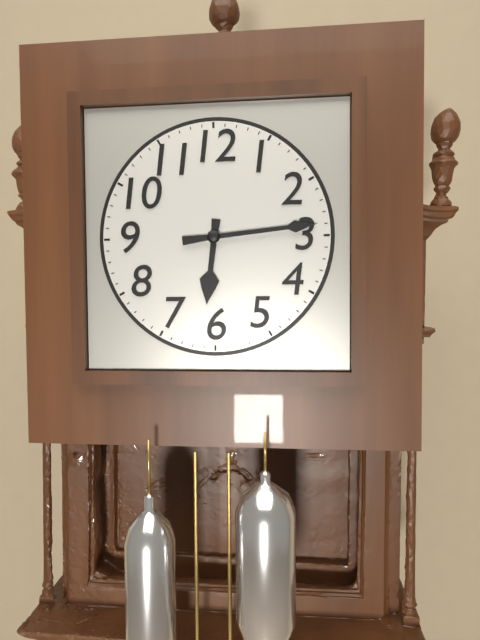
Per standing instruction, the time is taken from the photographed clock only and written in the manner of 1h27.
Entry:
6h14
